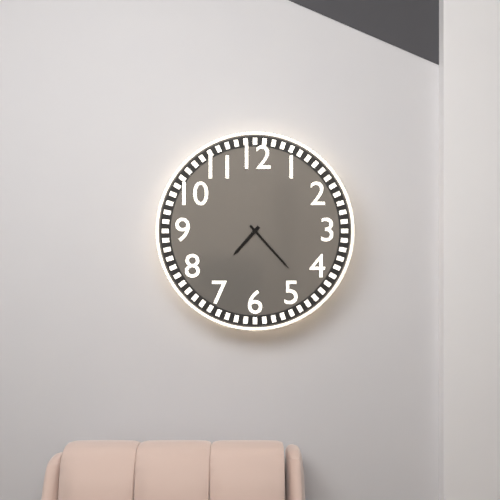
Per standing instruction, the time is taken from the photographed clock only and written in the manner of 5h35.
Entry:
7h23
